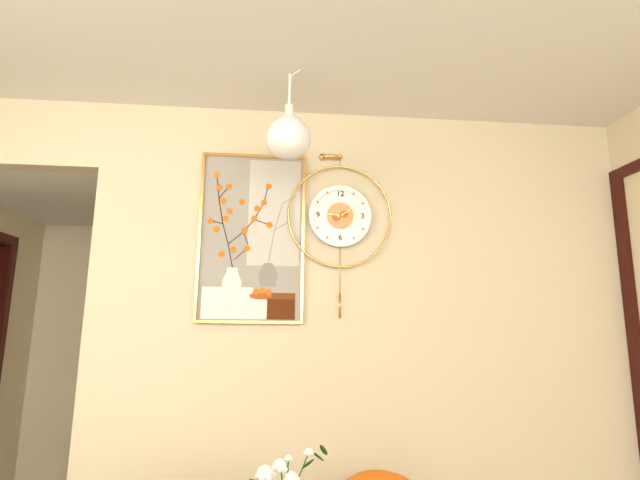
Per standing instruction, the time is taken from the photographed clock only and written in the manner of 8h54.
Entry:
9h10
